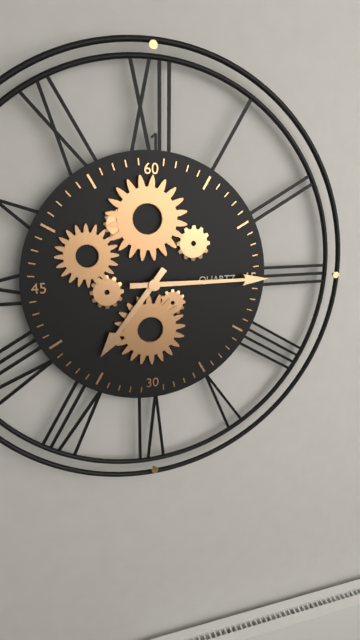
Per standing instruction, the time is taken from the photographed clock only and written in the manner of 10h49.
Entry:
7h15
